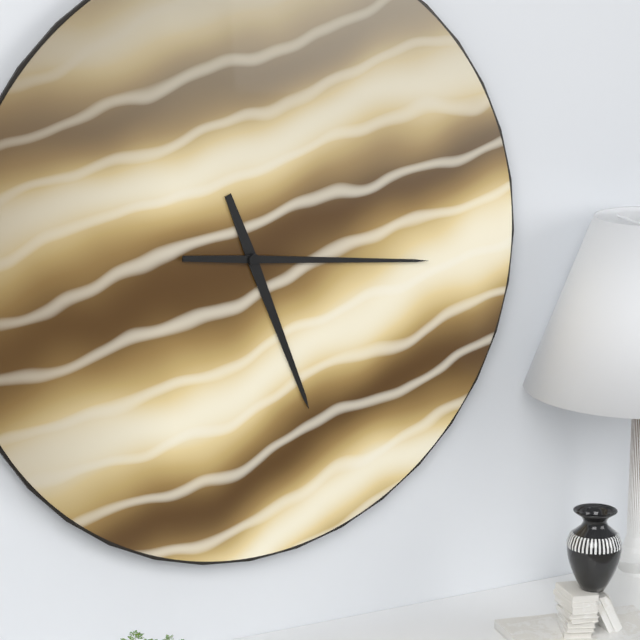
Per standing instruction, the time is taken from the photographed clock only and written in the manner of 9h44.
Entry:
5h16
